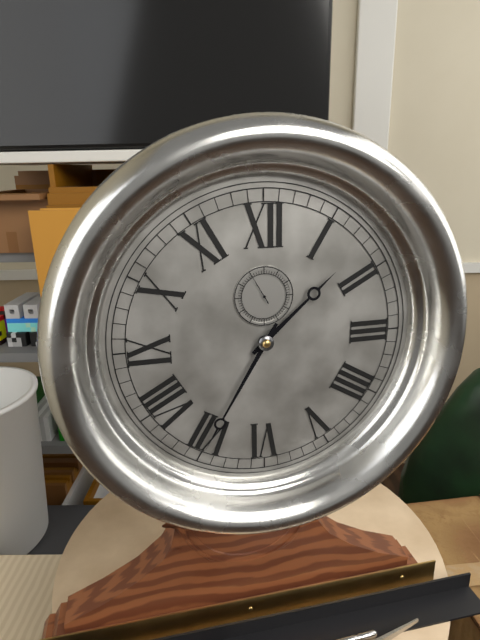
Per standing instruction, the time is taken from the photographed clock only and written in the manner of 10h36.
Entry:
1h35
